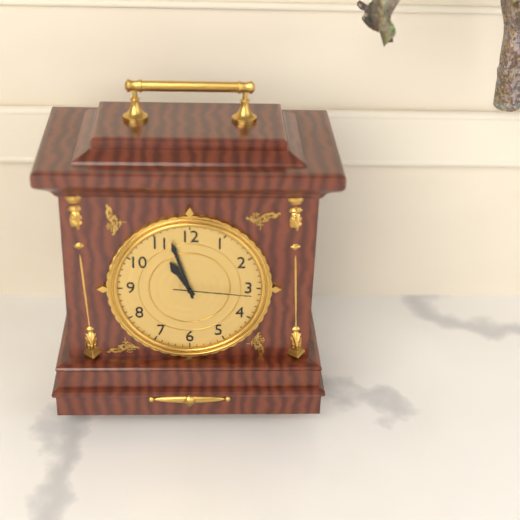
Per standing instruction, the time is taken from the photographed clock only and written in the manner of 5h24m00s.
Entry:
10h57m16s
